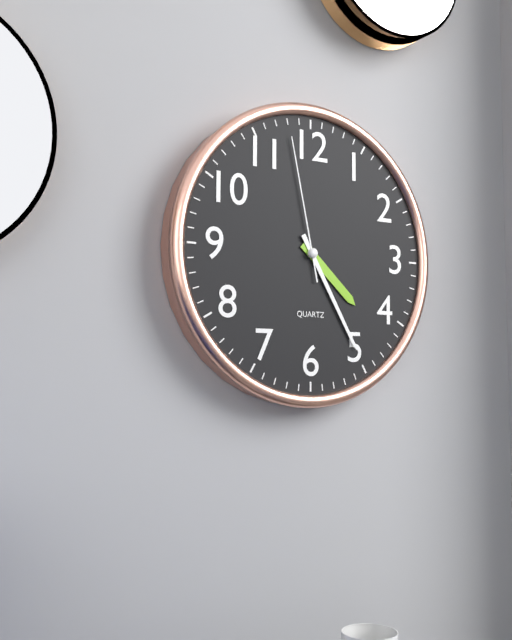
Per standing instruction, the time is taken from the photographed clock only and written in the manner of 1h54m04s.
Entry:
4h25m58s
